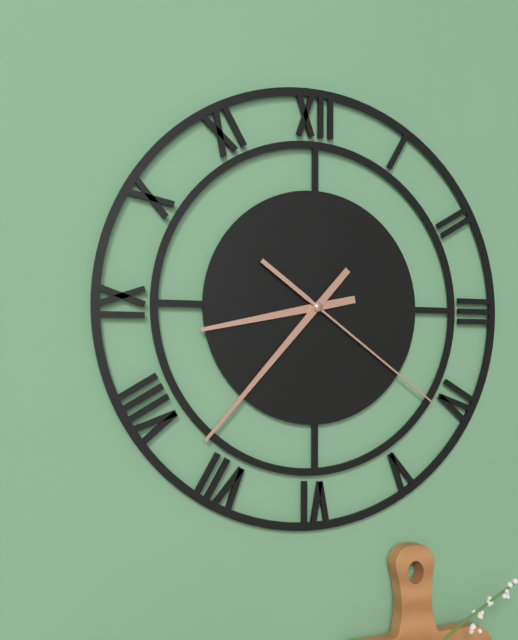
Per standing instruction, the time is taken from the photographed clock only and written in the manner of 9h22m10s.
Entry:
8h37m21s
